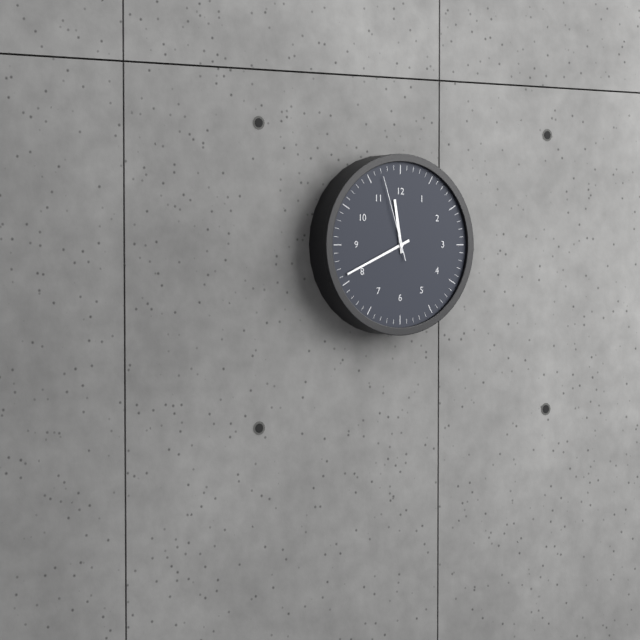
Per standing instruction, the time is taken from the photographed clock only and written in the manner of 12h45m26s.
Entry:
11h41m57s
